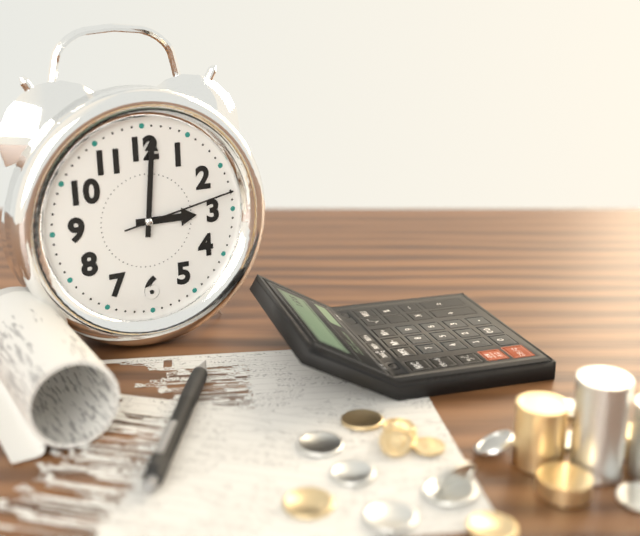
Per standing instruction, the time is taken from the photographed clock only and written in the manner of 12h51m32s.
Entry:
3h01m13s
